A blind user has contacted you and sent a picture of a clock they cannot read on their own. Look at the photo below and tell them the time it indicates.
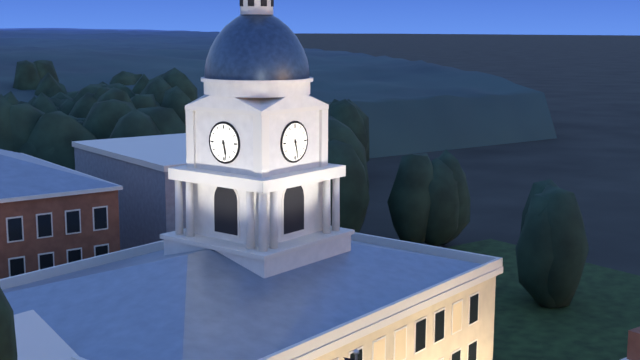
5:28
